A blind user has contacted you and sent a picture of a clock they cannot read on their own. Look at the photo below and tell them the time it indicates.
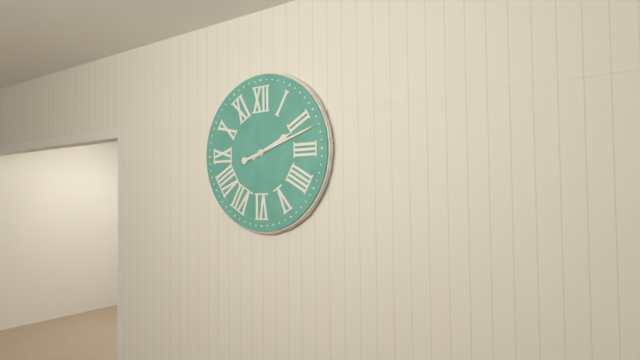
2:12
